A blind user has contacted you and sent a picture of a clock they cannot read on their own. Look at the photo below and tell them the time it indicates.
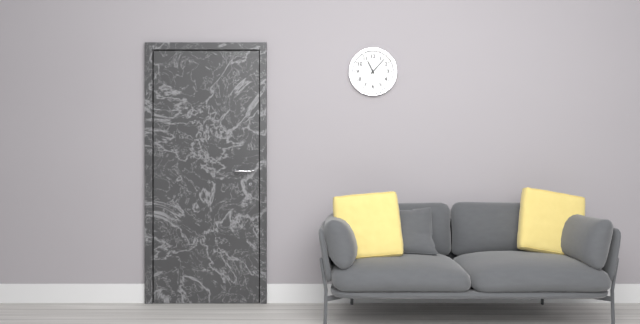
11:07
